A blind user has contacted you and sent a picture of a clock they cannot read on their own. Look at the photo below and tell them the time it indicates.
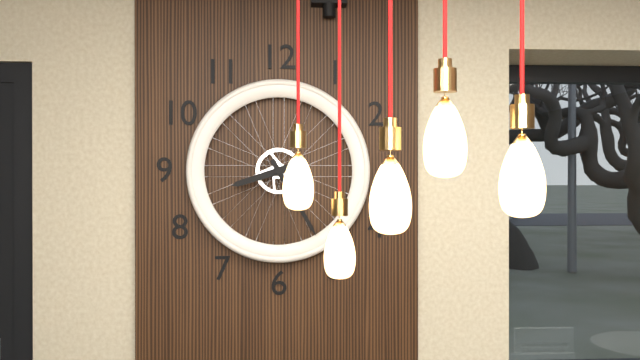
8:25
